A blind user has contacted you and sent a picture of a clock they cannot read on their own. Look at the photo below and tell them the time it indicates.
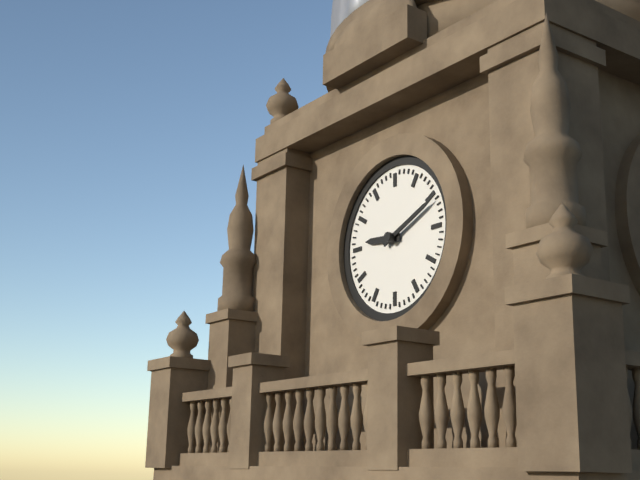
9:11
